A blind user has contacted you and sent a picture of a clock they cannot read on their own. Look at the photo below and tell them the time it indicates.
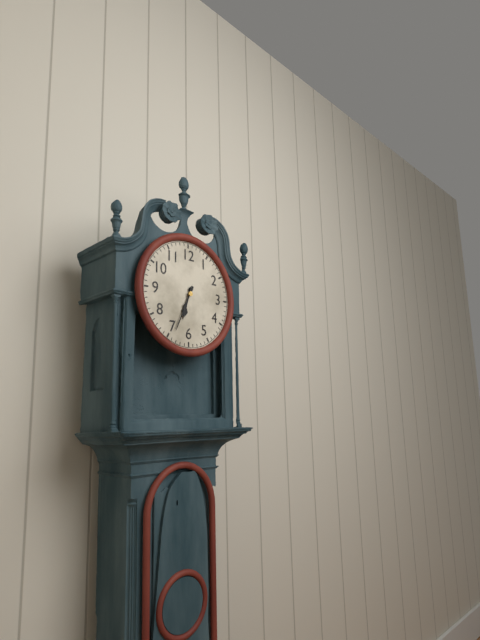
6:34
